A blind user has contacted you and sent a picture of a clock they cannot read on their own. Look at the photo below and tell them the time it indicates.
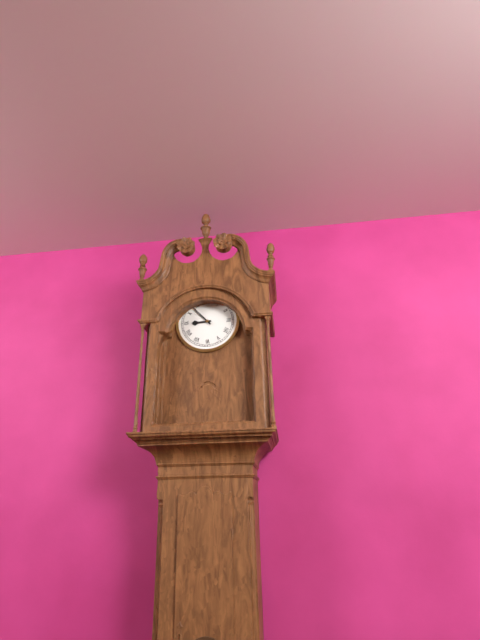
8:53
